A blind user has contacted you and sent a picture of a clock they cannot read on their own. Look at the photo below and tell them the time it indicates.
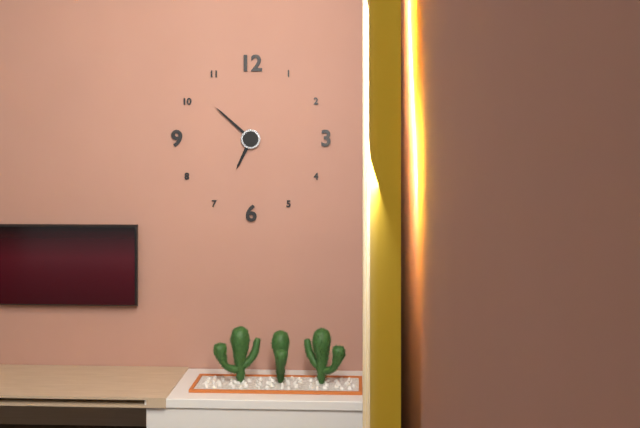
6:52
